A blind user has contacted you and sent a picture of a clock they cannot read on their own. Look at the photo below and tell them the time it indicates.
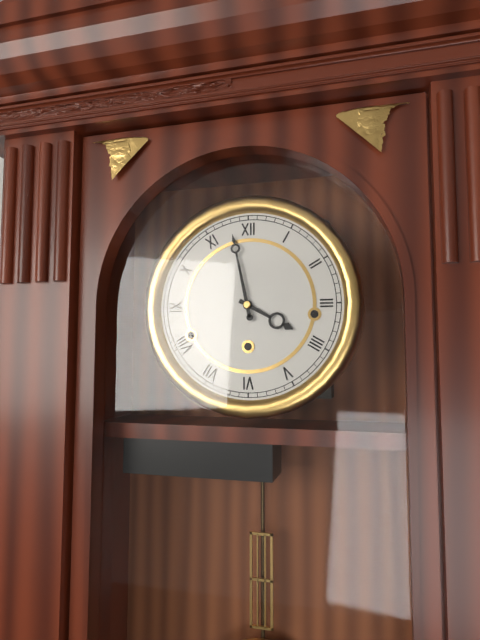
3:58
